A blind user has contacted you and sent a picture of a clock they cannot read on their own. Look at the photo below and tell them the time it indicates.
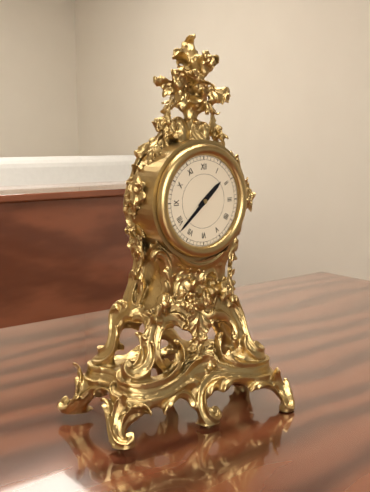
1:38
